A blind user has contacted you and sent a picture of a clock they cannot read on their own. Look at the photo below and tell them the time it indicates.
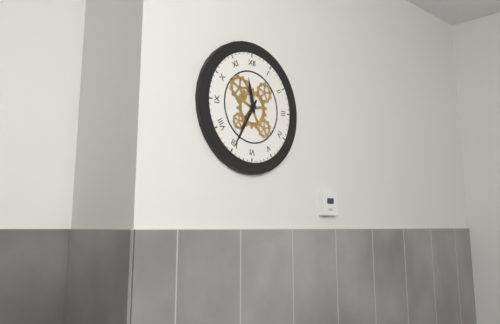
11:35
